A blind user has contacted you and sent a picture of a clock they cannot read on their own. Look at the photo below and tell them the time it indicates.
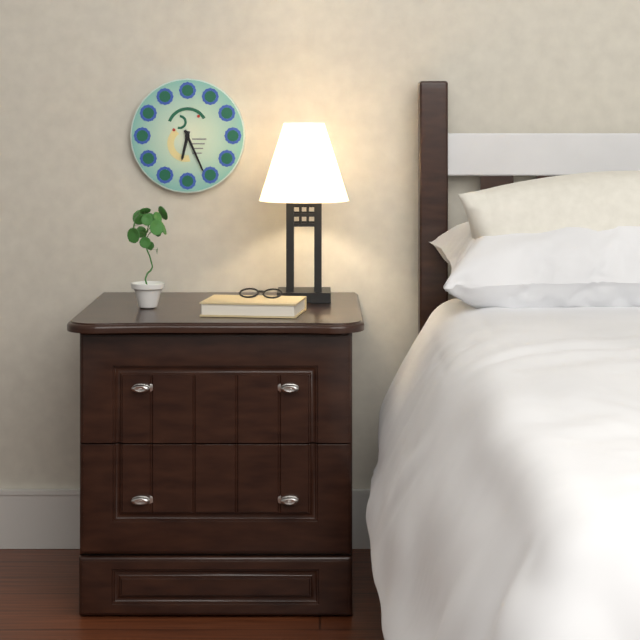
6:26
